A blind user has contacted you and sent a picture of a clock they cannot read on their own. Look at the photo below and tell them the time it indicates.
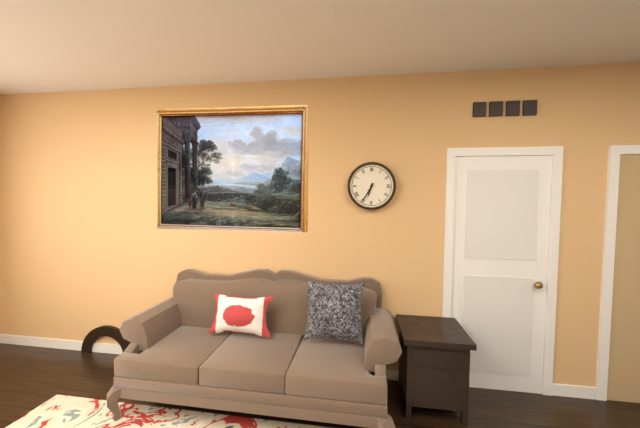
6:35
